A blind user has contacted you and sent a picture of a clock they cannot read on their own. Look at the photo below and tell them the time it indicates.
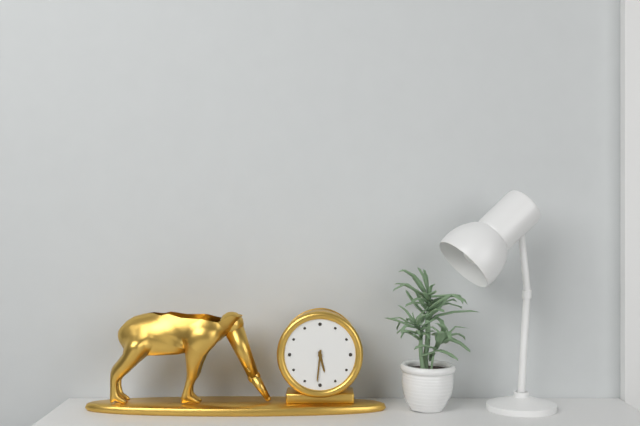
5:31
